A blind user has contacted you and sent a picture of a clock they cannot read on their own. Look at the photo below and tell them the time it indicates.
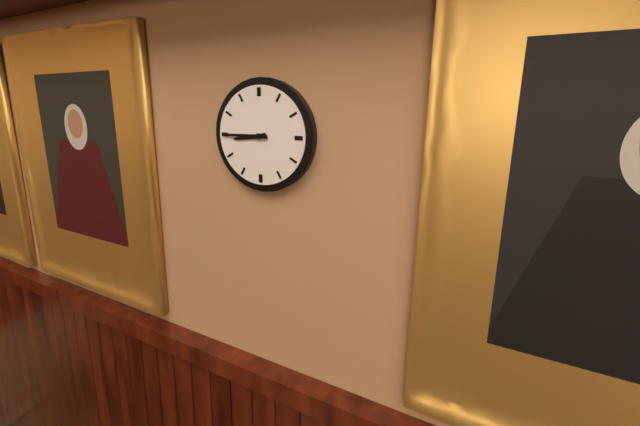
8:45
